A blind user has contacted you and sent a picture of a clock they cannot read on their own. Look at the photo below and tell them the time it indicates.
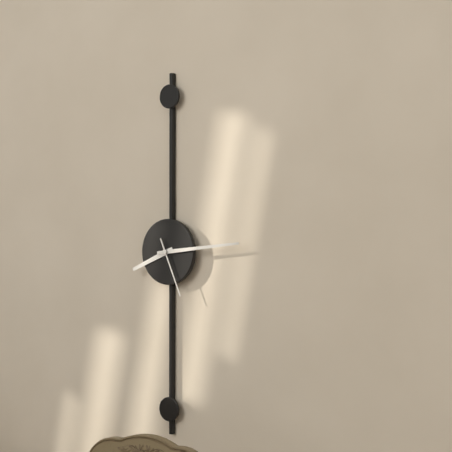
8:14:26
